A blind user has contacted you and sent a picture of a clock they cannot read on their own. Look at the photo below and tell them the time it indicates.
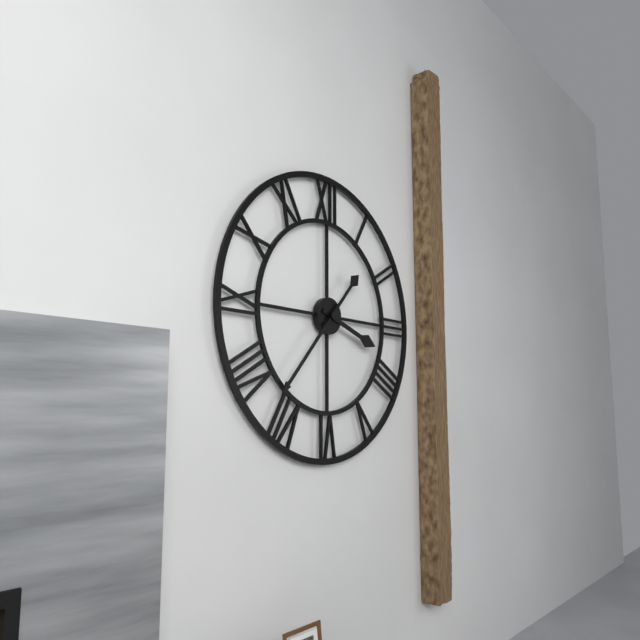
3:37
